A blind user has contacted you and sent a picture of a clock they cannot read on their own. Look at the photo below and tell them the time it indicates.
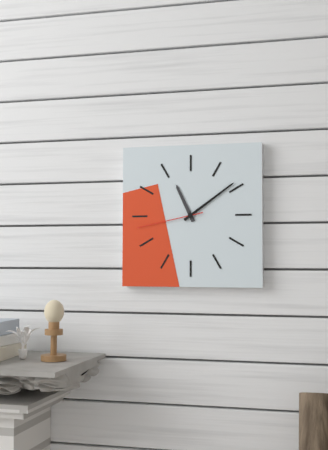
11:09:43
